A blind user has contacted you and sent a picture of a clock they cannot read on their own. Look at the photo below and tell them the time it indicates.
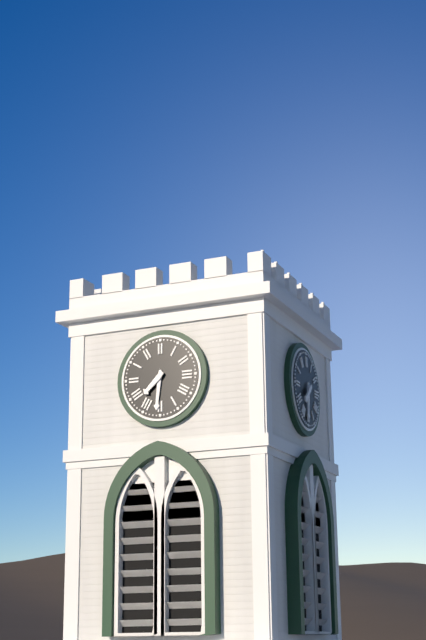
7:31
